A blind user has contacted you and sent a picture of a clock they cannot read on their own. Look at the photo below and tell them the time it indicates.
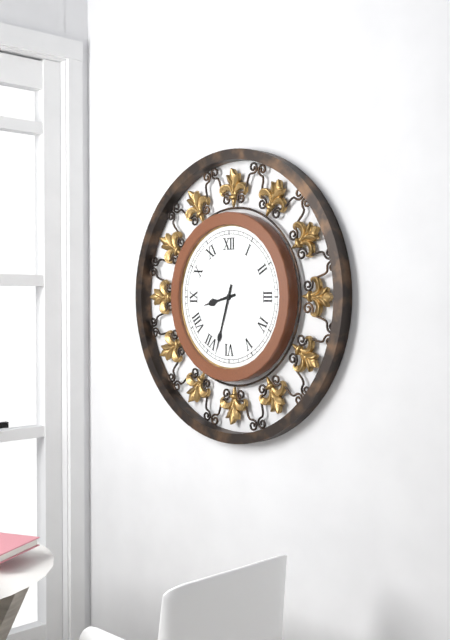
8:33
